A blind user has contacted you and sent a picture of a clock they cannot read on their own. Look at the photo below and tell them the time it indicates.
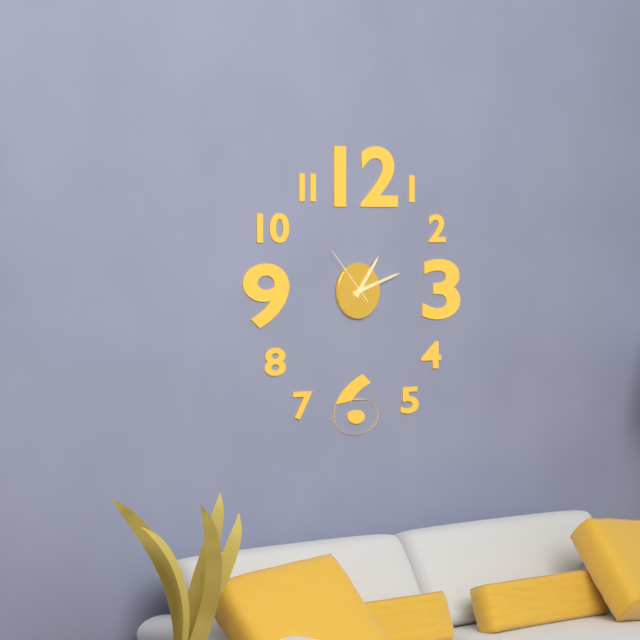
1:12:53
